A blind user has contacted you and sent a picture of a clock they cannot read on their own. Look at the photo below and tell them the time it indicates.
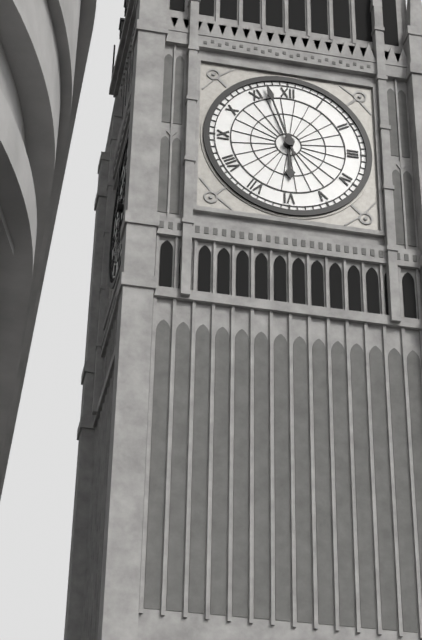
5:57
